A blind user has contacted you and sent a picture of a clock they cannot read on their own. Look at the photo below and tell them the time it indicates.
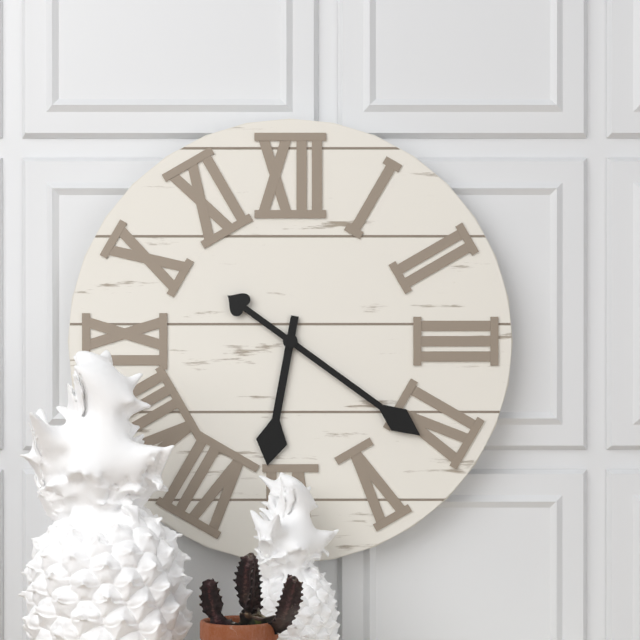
6:21
